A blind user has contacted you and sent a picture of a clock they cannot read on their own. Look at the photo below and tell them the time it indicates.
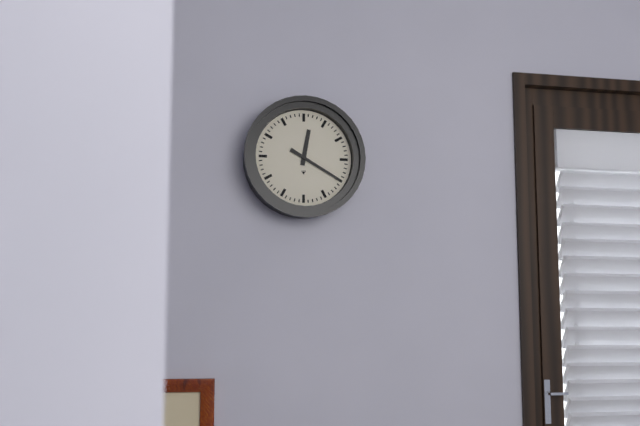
12:20
